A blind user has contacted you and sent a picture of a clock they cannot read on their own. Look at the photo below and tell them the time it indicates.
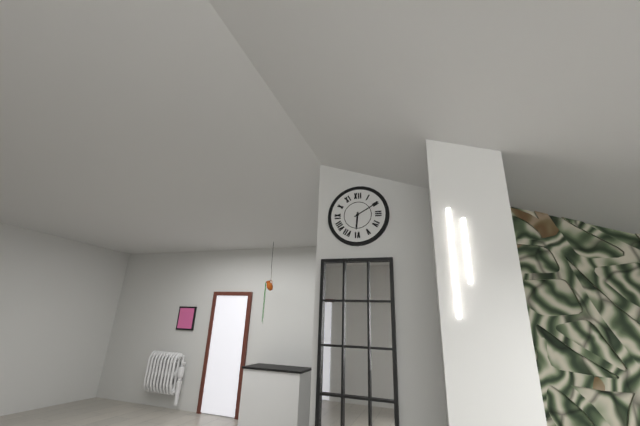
6:10
